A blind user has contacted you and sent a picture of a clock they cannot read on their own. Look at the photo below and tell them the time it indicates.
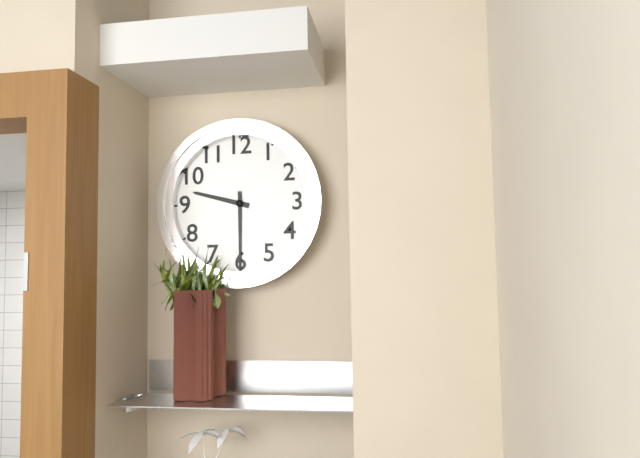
9:30
